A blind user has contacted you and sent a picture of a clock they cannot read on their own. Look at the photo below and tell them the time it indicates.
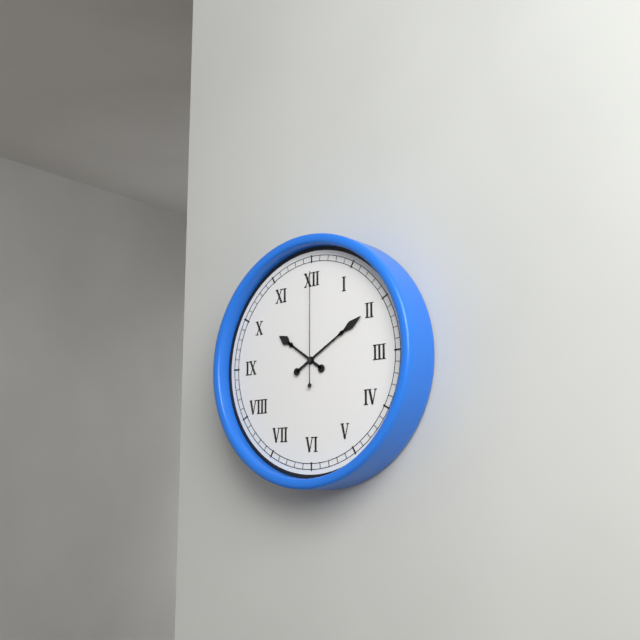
10:10:00
